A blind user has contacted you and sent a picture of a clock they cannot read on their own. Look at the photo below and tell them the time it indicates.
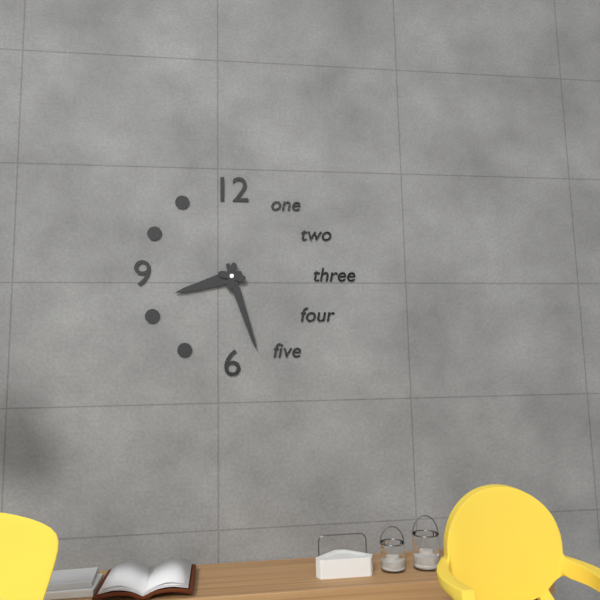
8:27
